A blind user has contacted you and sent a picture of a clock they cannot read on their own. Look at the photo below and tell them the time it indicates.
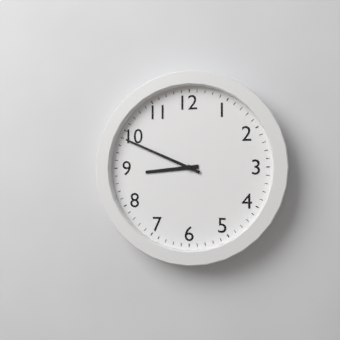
8:49
